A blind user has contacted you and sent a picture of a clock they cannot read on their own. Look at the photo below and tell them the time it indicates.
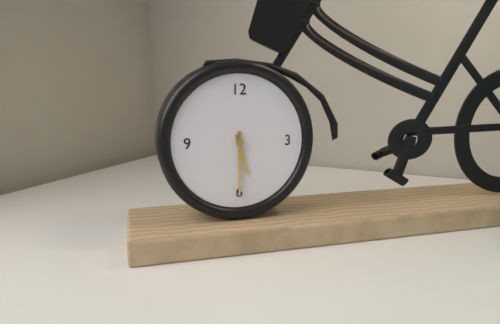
5:30
